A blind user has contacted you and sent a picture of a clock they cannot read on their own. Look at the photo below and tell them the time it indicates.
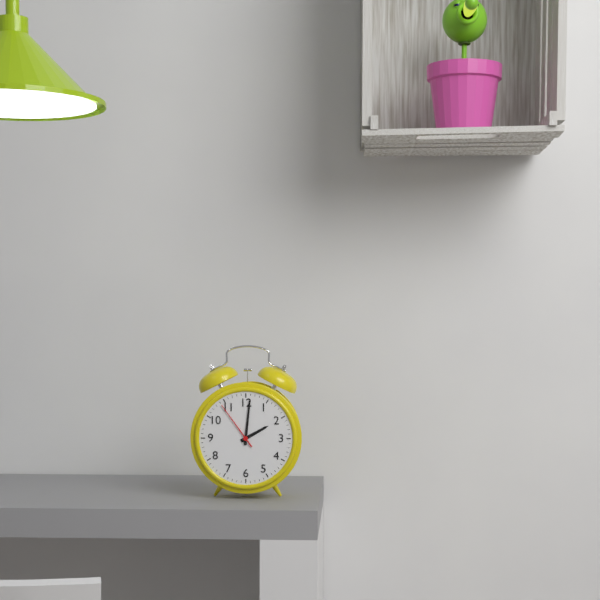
2:01:54
